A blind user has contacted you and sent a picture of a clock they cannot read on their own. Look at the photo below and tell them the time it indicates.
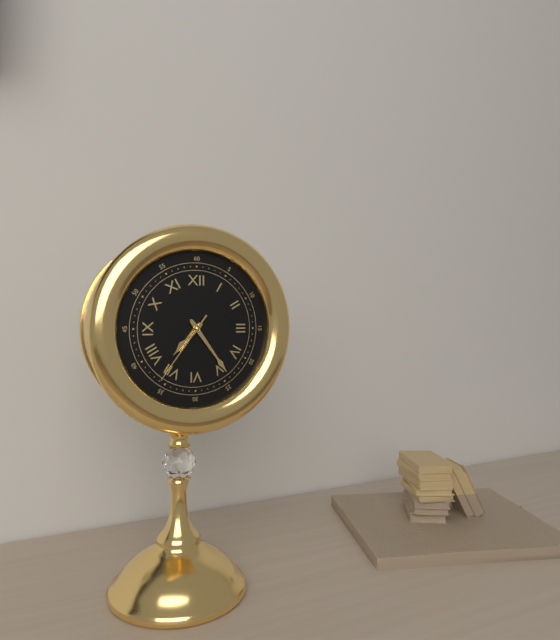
7:24:36
